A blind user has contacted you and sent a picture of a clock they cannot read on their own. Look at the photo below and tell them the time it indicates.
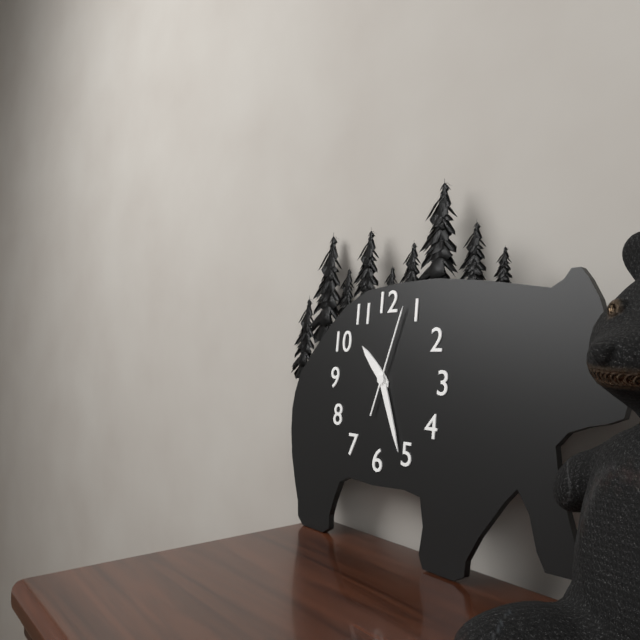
10:26:03
